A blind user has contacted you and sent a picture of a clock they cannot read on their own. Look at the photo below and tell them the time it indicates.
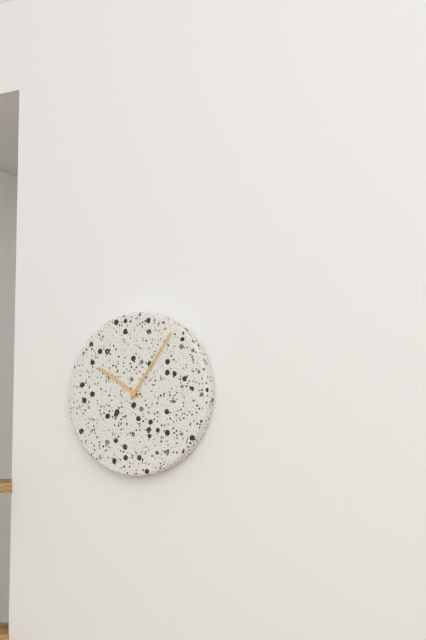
10:06
